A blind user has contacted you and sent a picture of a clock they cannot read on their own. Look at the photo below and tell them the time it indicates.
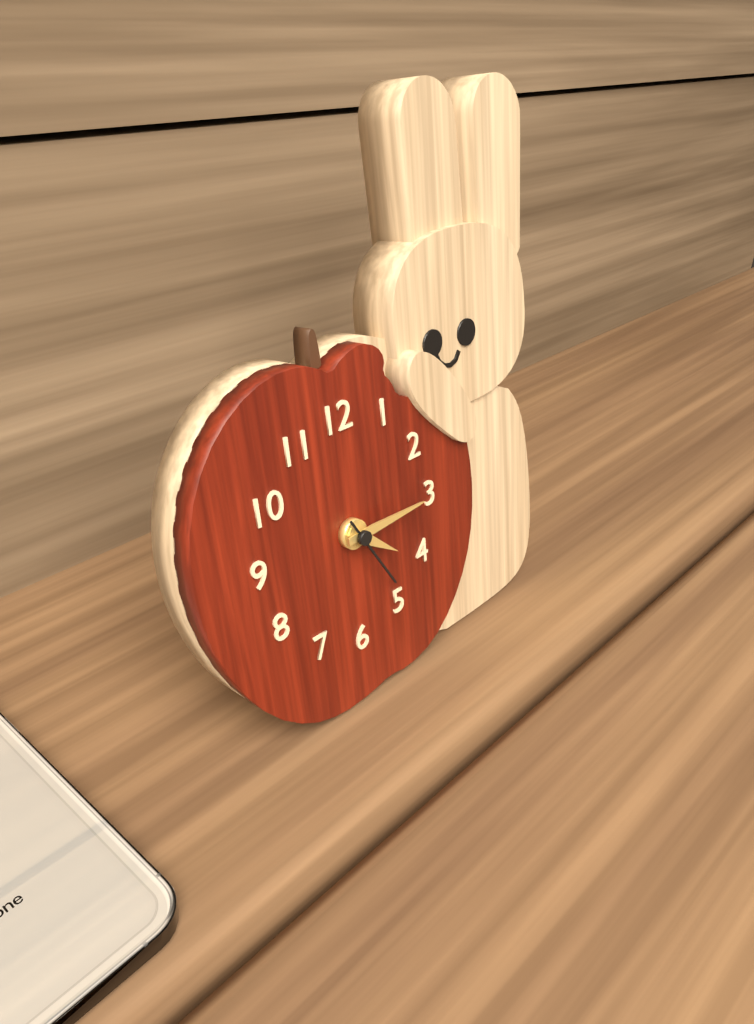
4:15:25
